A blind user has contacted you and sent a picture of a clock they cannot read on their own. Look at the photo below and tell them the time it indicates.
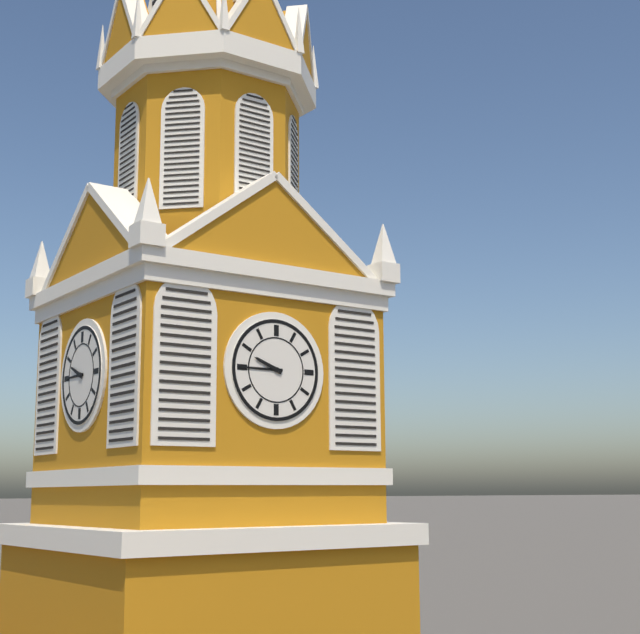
9:45
